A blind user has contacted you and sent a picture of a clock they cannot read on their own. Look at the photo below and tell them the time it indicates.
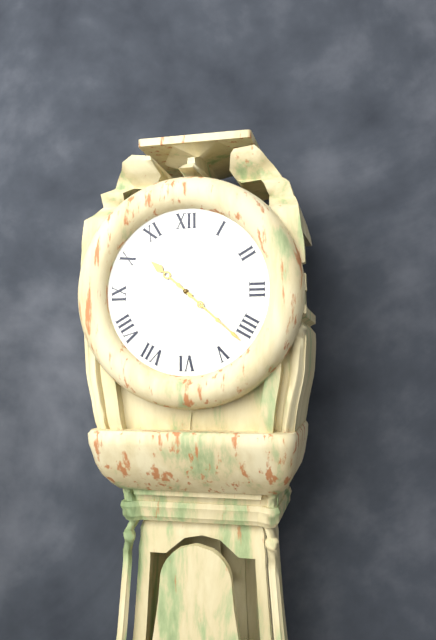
10:22
